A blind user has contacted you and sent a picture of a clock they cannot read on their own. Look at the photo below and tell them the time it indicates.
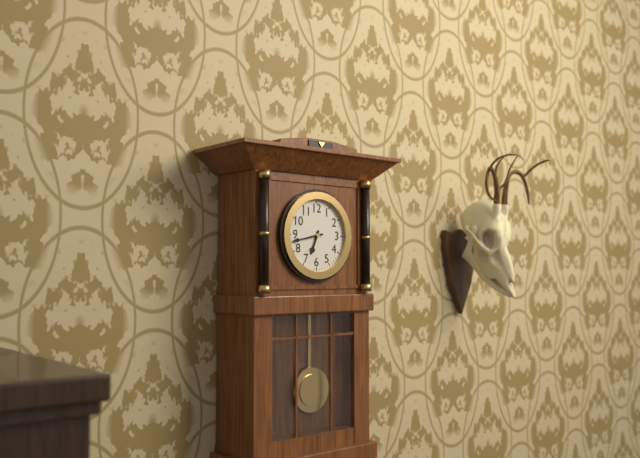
6:43
